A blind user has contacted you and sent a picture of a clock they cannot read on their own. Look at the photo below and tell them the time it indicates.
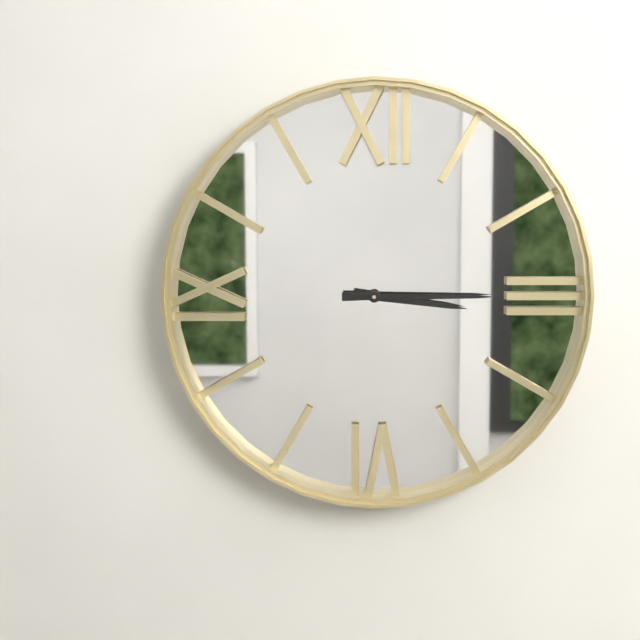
3:15
